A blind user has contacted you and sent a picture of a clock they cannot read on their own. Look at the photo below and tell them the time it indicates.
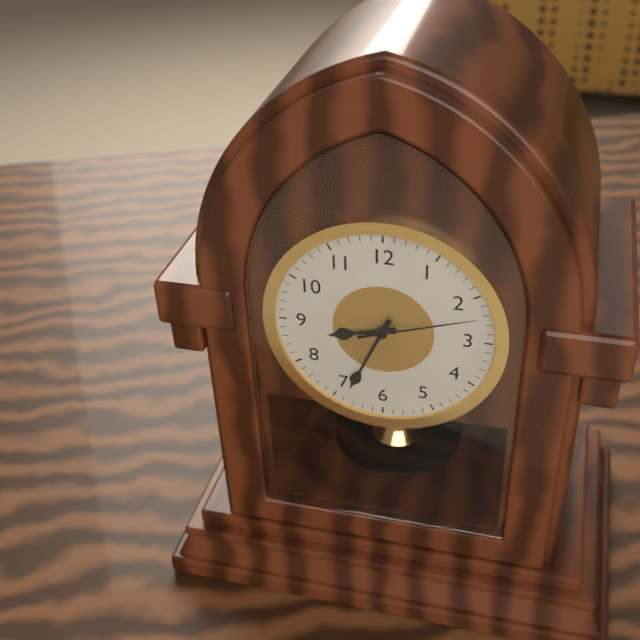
8:34:12
